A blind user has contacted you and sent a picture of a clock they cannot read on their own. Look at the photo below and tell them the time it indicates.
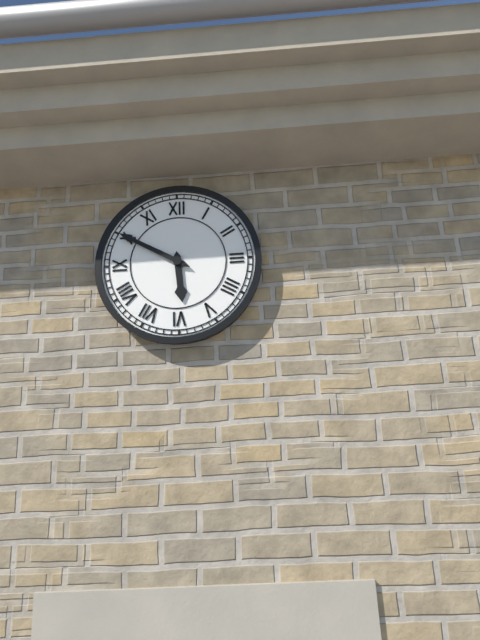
5:50
